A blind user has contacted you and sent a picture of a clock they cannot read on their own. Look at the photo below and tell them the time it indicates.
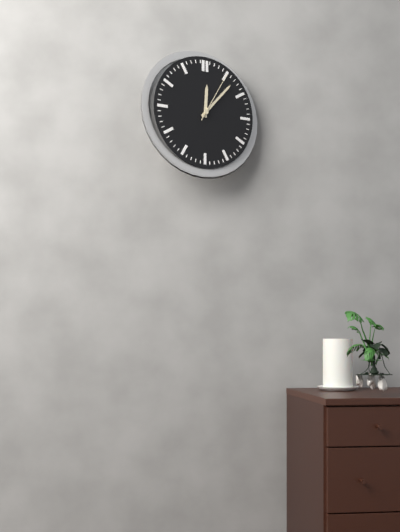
12:07:05
